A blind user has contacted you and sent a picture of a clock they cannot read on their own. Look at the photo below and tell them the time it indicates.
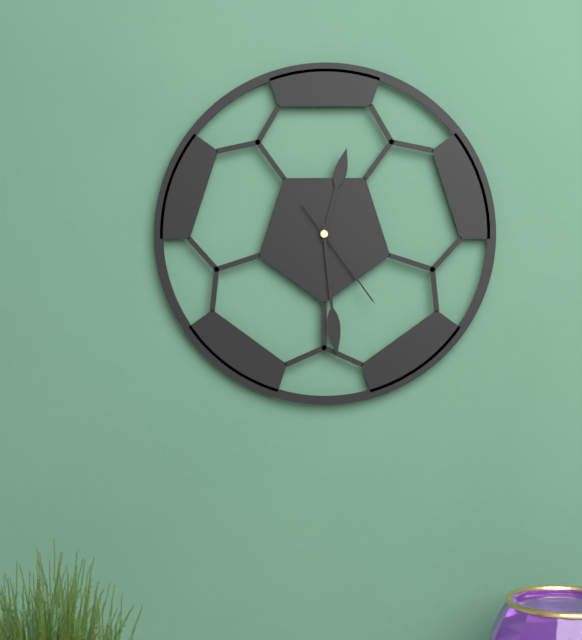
12:29:24
